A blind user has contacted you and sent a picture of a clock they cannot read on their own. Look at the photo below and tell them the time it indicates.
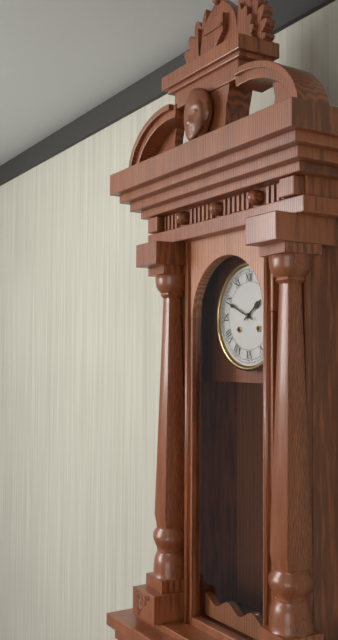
1:49
